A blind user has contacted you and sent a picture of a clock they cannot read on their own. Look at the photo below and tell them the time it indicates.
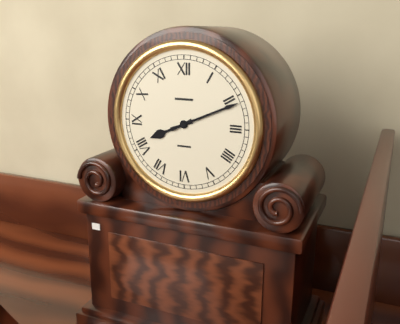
8:11
